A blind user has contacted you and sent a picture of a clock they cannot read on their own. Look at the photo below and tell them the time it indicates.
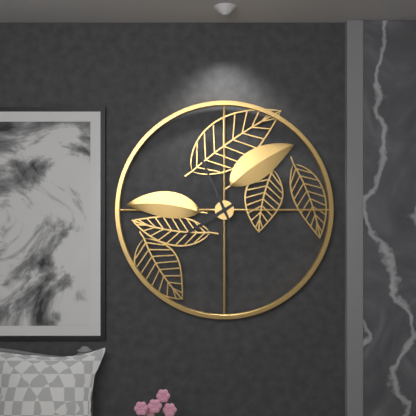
7:56
